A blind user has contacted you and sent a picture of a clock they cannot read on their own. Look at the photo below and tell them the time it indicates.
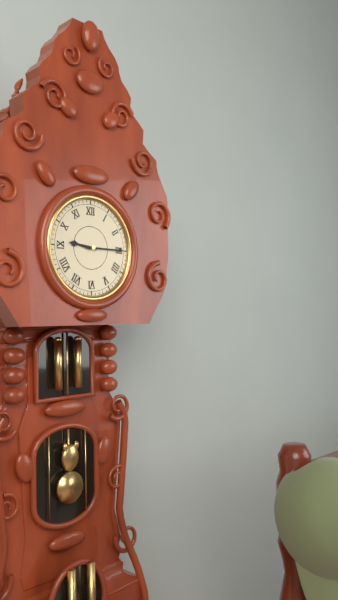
9:15
